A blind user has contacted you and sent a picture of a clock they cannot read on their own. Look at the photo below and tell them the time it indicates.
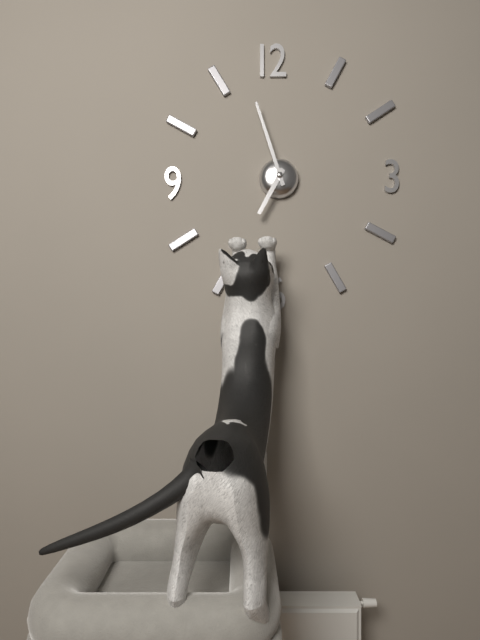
6:57
